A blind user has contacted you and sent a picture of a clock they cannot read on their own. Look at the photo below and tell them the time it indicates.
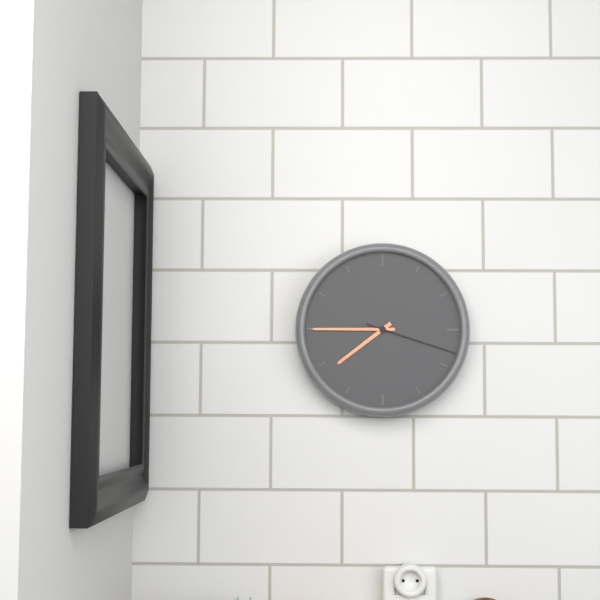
7:45:18
